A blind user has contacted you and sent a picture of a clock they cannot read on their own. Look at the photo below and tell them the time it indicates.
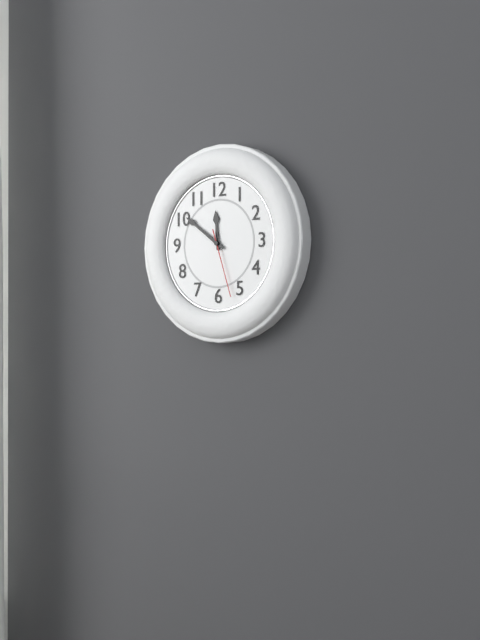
11:51:27
